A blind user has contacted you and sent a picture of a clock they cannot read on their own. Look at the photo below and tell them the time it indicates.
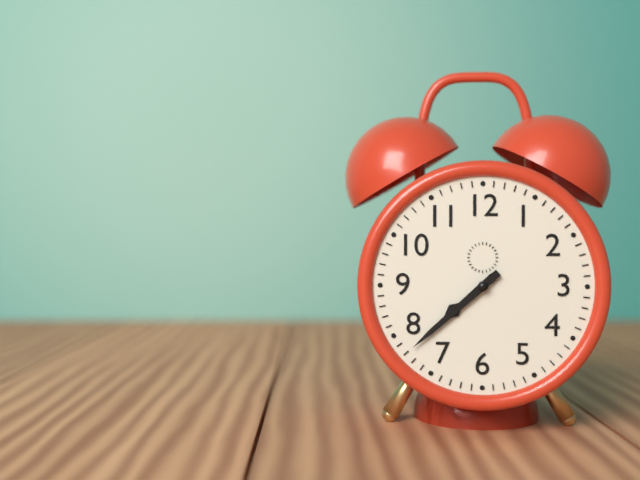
7:38
